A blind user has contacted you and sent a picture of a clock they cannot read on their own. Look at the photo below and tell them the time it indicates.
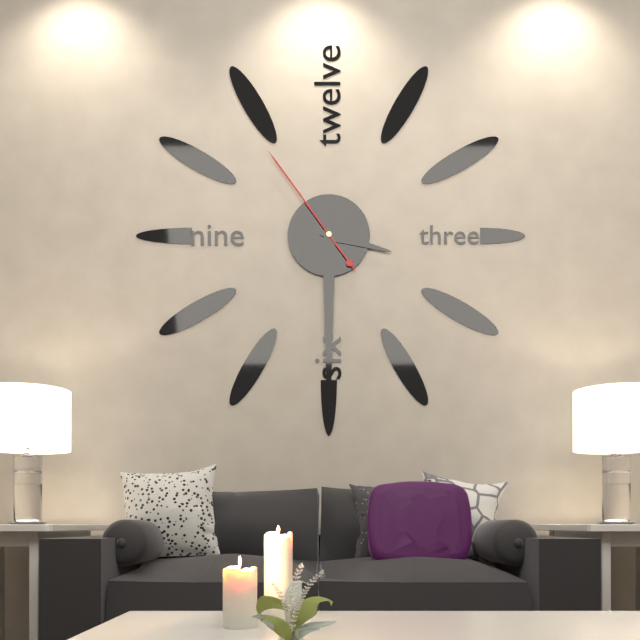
3:30:54
